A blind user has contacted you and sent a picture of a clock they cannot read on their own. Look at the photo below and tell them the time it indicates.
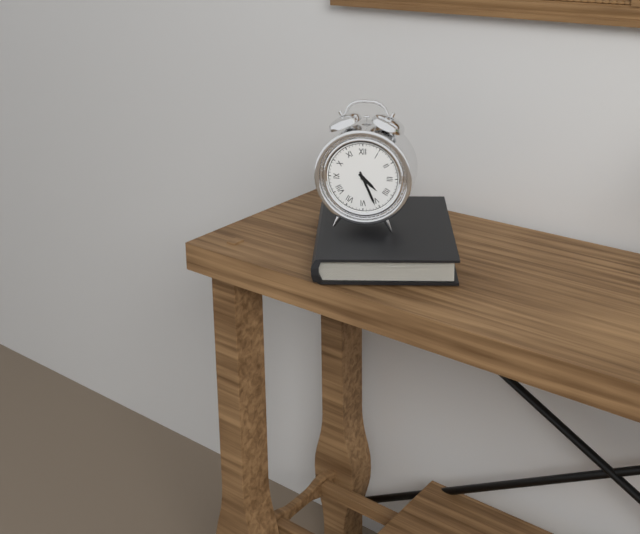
4:26
